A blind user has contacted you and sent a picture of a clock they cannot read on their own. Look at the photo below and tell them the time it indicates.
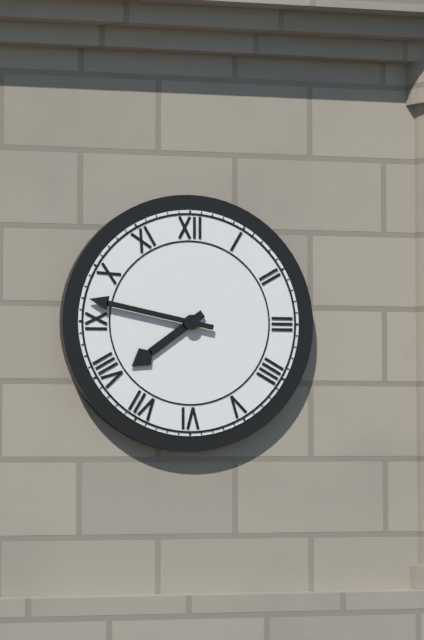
7:47
